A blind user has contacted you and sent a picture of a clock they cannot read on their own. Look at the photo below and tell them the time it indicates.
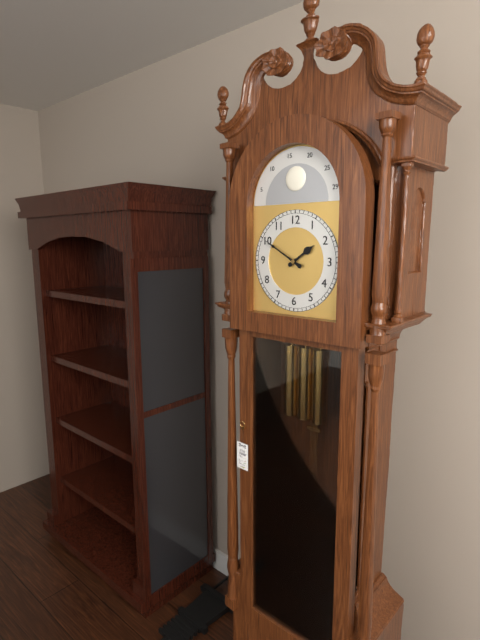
1:50
